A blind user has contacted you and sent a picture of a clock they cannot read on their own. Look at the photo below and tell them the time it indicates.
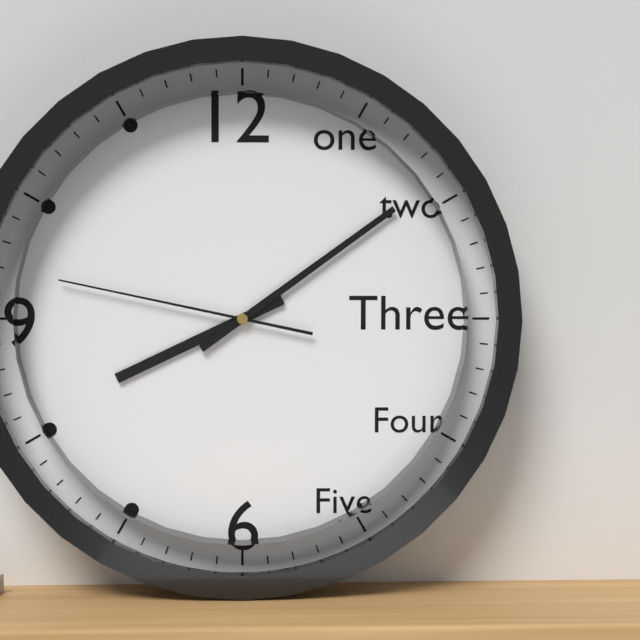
8:09:47
